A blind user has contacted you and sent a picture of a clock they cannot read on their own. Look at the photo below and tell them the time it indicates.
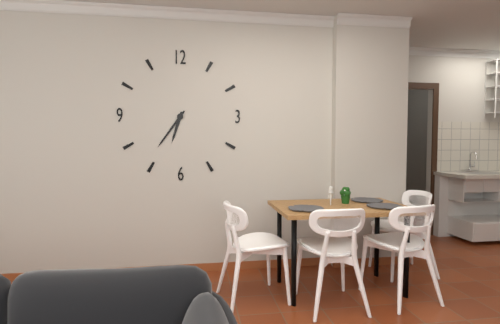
6:36
